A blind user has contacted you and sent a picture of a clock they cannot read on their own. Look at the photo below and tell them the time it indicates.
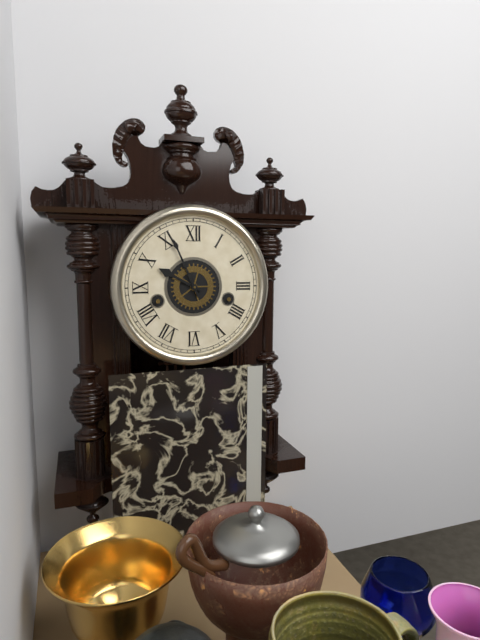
9:56
